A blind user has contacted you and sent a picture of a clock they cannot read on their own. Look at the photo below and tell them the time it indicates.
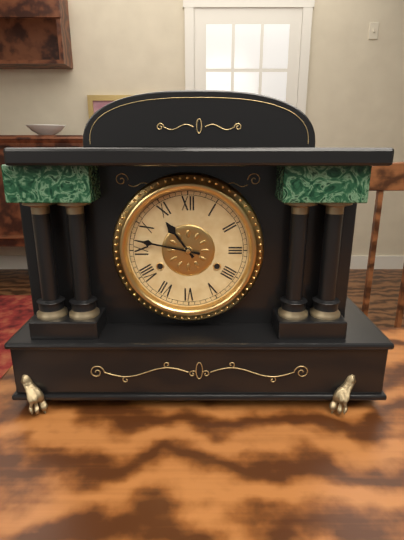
10:47
